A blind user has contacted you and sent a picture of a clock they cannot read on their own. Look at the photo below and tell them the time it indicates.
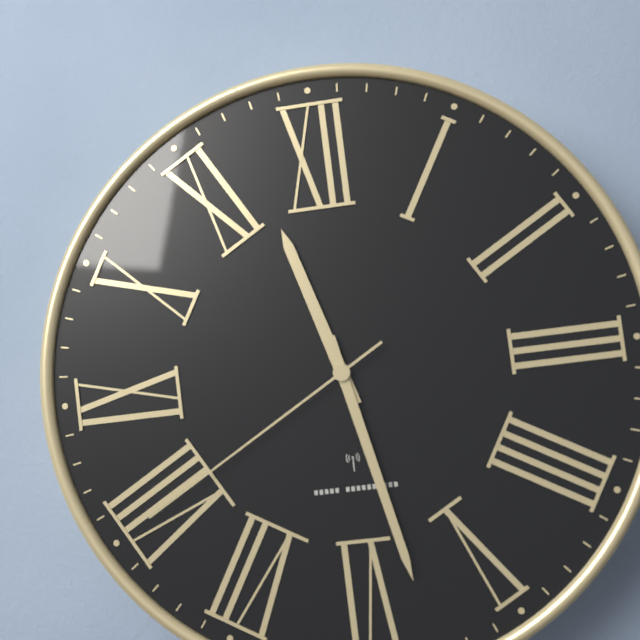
11:28:40
